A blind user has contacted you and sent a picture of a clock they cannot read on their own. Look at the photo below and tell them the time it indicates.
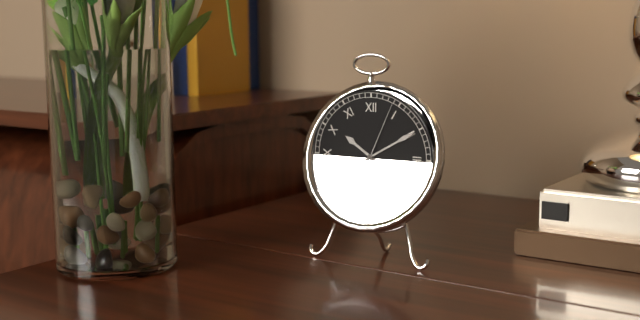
10:10:04
